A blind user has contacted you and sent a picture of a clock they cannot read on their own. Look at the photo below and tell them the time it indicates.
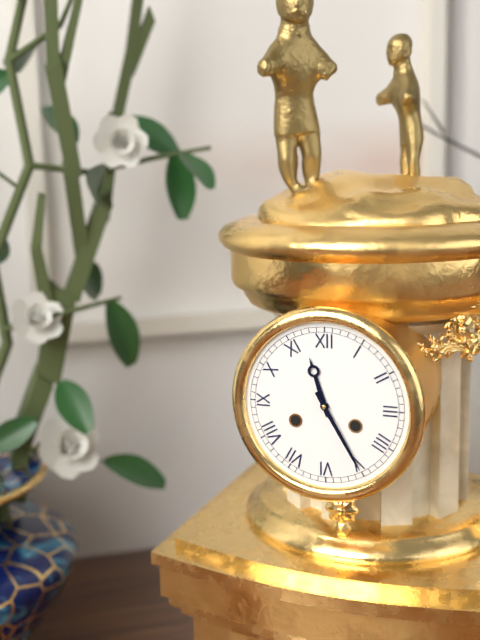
11:25
